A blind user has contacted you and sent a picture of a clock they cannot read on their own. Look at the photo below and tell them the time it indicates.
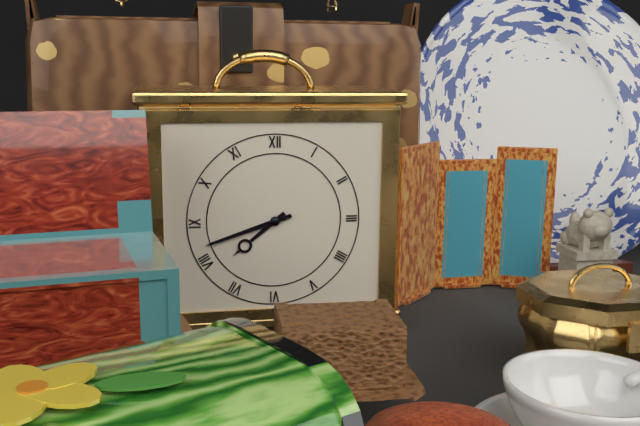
7:42
